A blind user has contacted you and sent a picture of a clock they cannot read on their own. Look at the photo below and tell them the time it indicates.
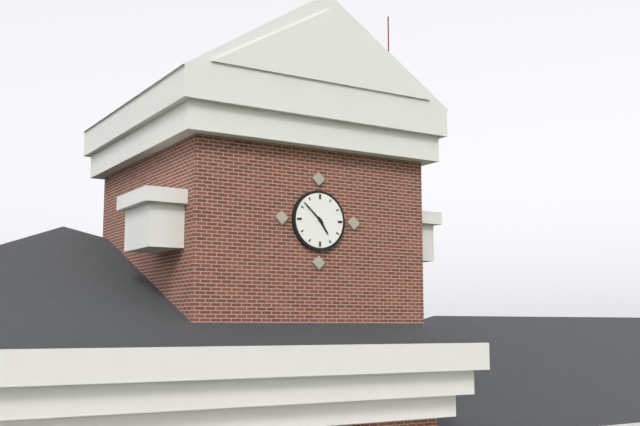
4:52
